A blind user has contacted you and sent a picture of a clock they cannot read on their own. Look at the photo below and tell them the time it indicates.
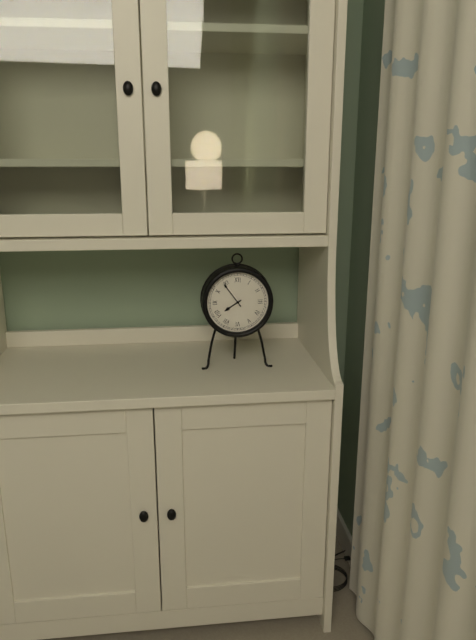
7:54
